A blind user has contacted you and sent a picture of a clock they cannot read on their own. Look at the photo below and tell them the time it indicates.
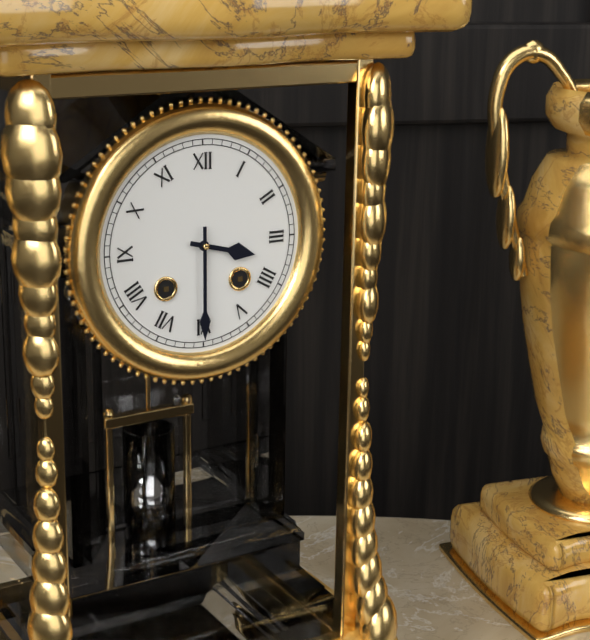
3:30
